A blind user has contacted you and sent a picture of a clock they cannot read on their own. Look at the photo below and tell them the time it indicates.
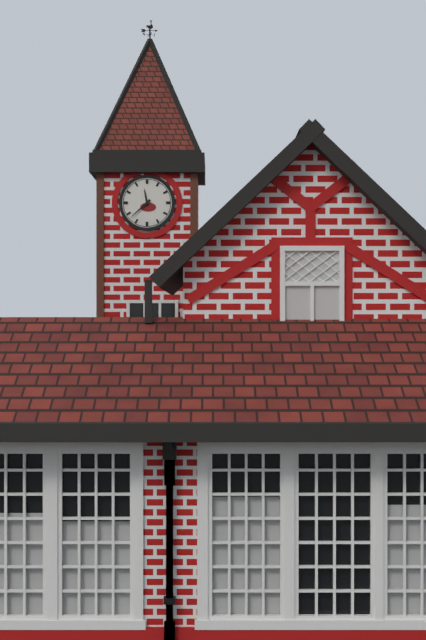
11:38
